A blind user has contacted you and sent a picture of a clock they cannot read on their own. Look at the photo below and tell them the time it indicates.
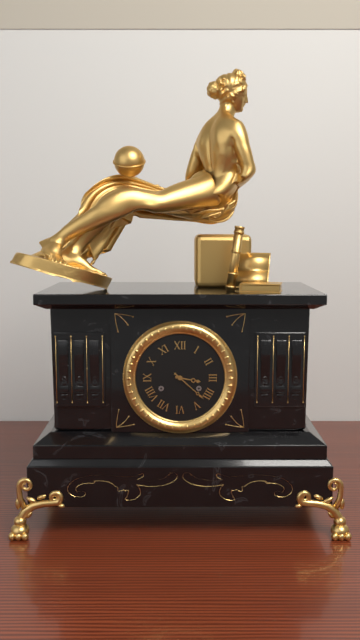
3:22
